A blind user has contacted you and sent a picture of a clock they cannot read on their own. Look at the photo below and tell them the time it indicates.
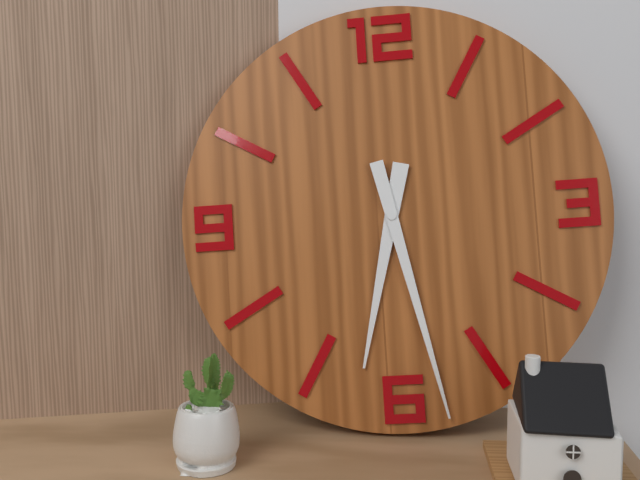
6:28
